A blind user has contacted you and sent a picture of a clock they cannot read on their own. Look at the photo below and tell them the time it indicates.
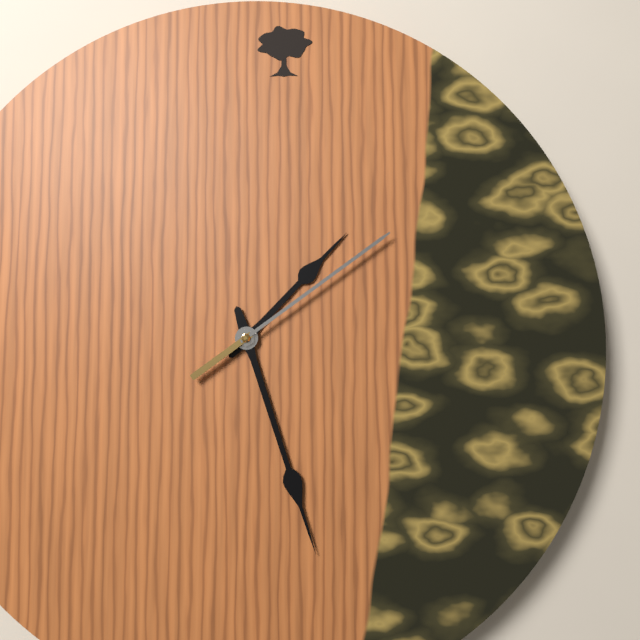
1:27:09
